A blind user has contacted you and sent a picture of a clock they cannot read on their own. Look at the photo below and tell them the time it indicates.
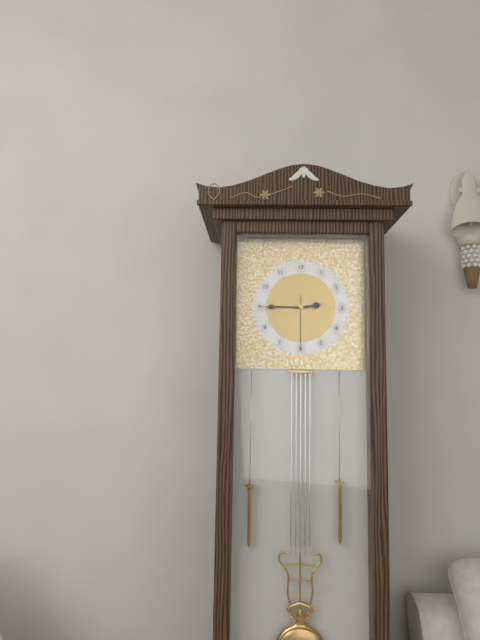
2:45:30
